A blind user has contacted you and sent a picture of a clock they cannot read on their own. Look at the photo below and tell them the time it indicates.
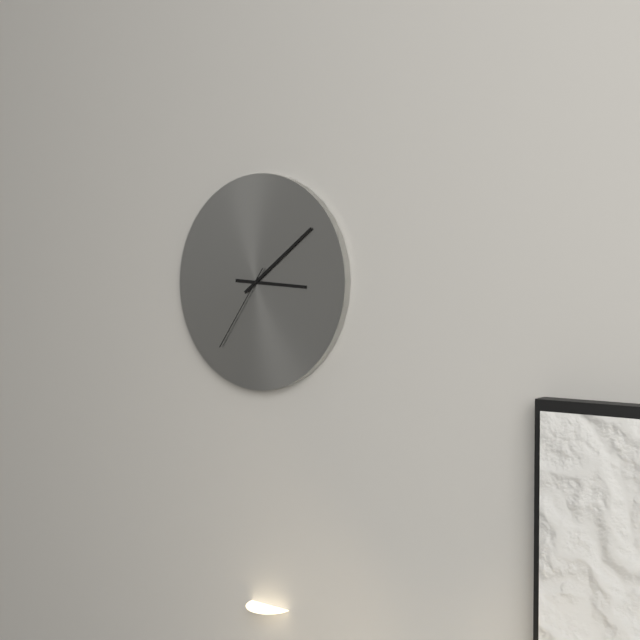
3:09:36
